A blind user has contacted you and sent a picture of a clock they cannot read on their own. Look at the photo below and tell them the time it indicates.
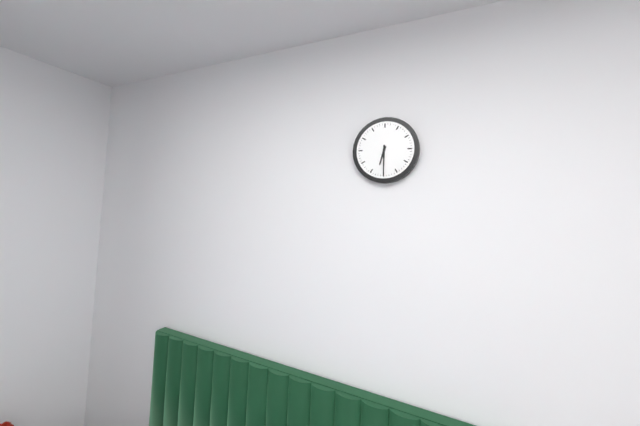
6:30
